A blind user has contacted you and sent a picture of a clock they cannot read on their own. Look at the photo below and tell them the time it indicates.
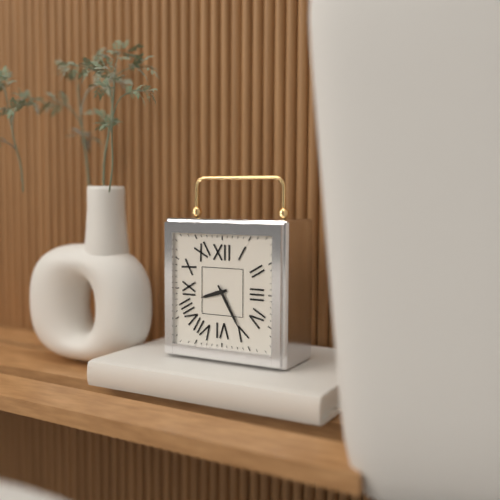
8:25
